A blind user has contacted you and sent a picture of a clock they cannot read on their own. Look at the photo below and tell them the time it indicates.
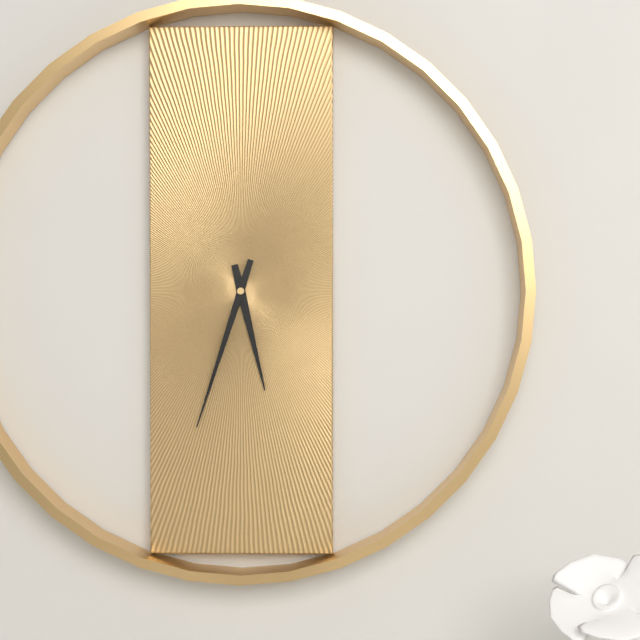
5:33
